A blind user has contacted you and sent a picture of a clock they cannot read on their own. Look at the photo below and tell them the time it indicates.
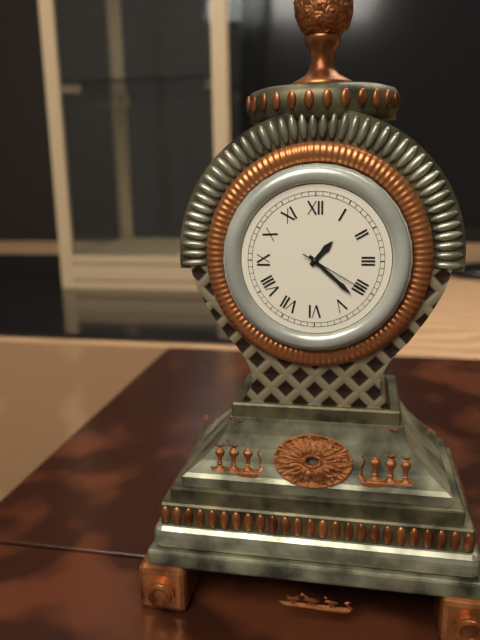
1:22:20
